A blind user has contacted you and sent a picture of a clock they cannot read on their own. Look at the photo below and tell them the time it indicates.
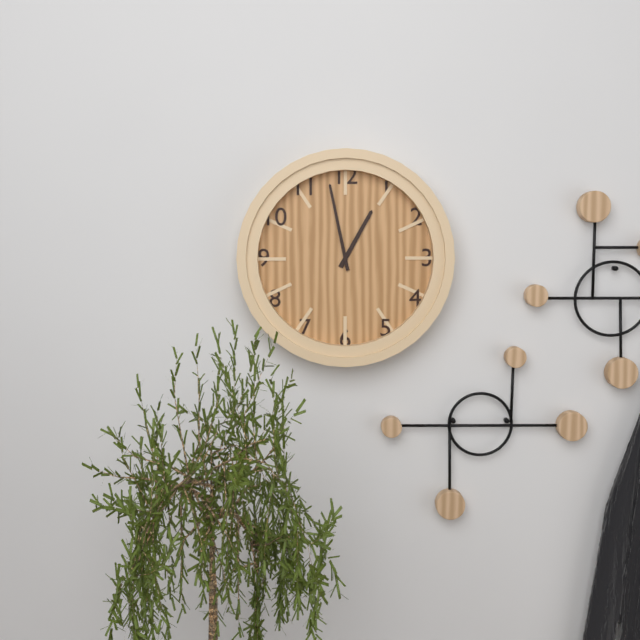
12:58
